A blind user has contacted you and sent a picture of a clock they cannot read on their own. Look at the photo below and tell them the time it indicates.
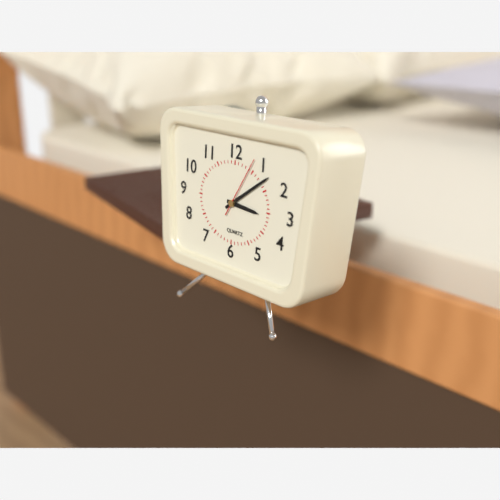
3:09:05
